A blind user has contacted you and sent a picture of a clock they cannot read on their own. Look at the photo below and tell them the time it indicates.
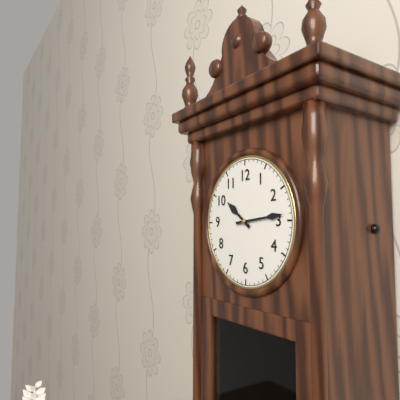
10:14
